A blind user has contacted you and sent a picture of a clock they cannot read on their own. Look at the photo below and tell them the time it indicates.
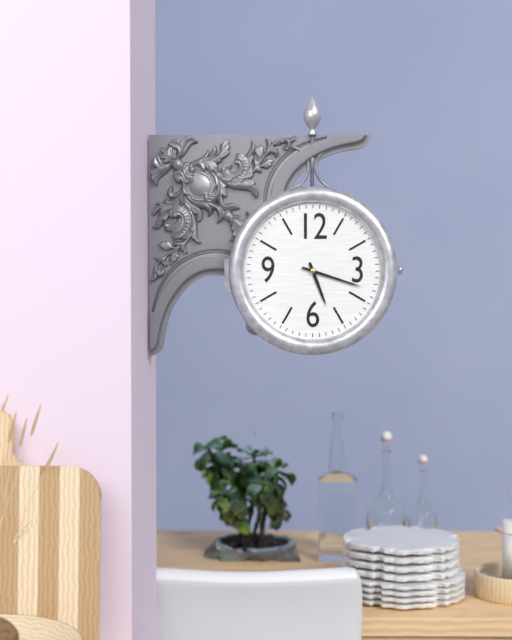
5:18
